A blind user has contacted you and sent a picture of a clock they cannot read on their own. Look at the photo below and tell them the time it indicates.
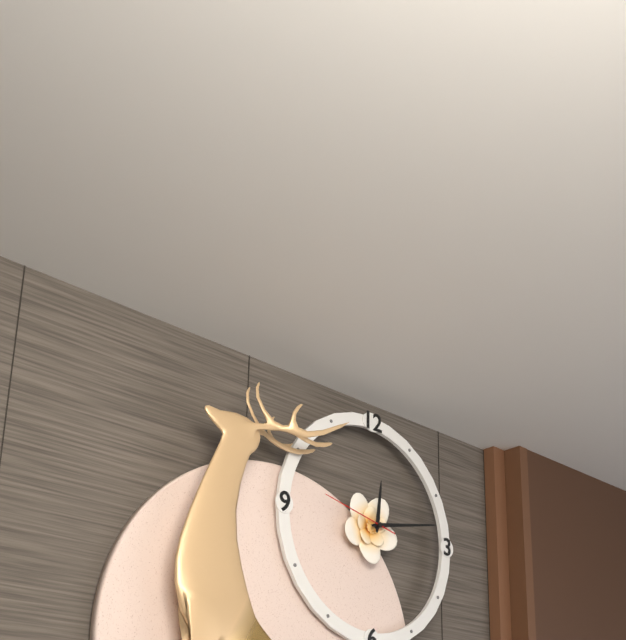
12:13:47
